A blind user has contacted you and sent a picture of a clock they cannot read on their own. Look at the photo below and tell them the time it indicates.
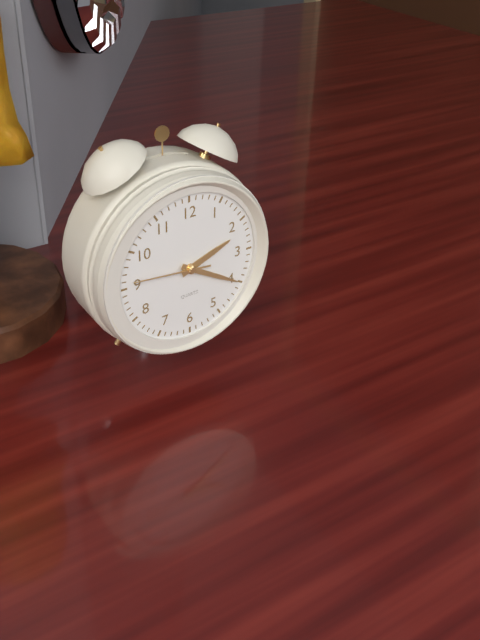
2:20:46
